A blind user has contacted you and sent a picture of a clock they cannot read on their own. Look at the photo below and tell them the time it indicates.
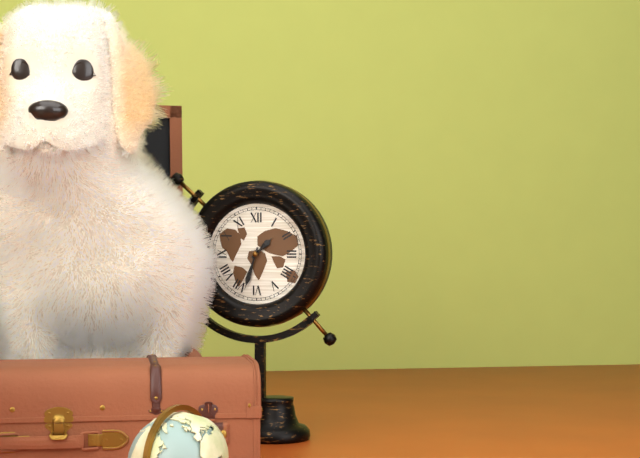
1:33
